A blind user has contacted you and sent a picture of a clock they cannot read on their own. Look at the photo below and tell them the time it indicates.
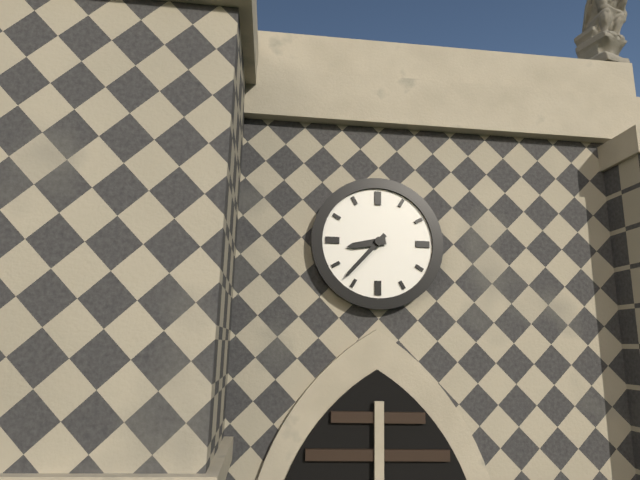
8:37
